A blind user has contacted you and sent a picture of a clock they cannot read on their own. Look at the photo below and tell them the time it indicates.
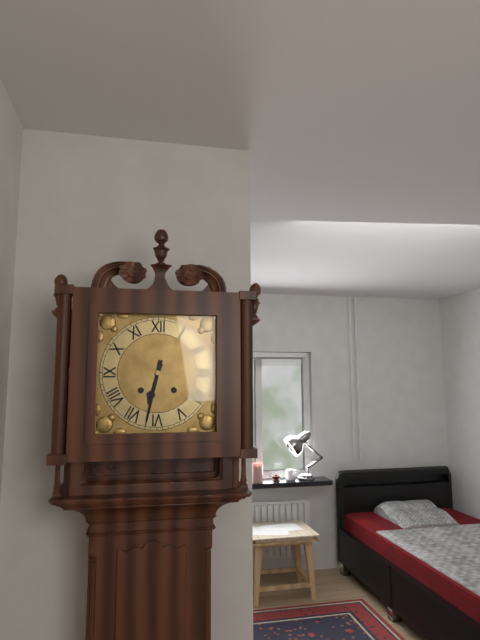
6:32
